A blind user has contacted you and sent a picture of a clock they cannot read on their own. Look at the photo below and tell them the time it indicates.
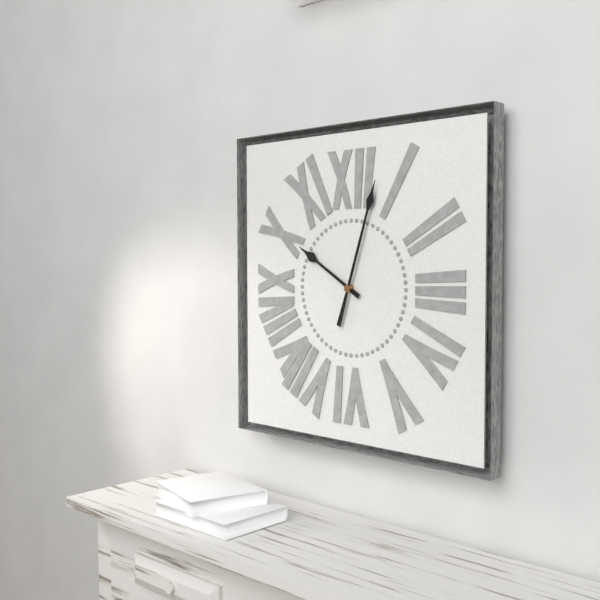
10:03
